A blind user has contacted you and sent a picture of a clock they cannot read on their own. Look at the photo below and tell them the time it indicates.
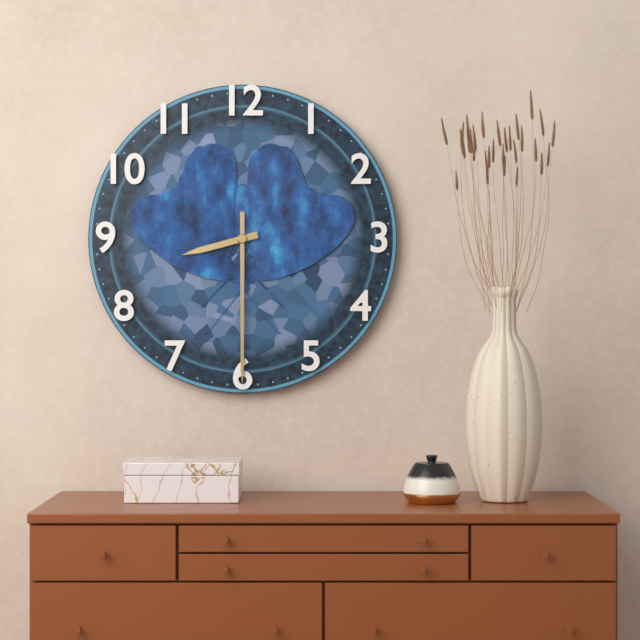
8:30
